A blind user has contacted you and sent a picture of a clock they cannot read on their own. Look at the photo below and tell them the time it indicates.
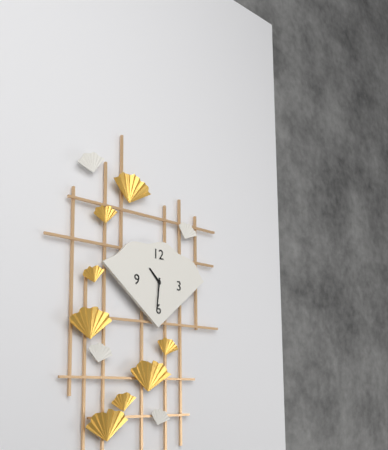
10:31
